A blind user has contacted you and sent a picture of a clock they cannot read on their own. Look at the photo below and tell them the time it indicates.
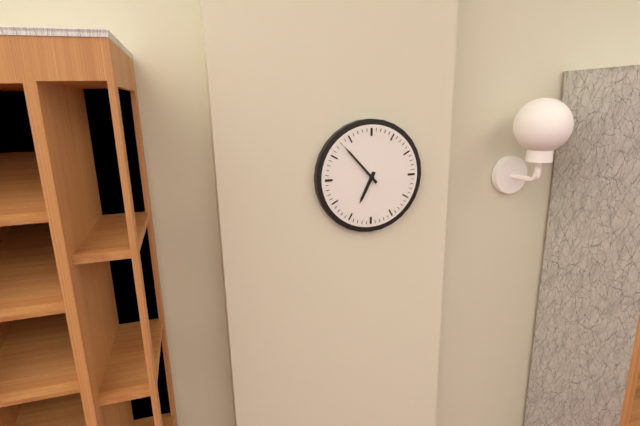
6:53
